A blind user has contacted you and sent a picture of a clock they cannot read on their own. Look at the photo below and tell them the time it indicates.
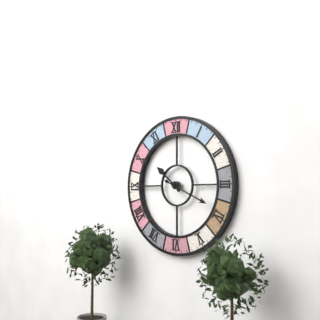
10:19
